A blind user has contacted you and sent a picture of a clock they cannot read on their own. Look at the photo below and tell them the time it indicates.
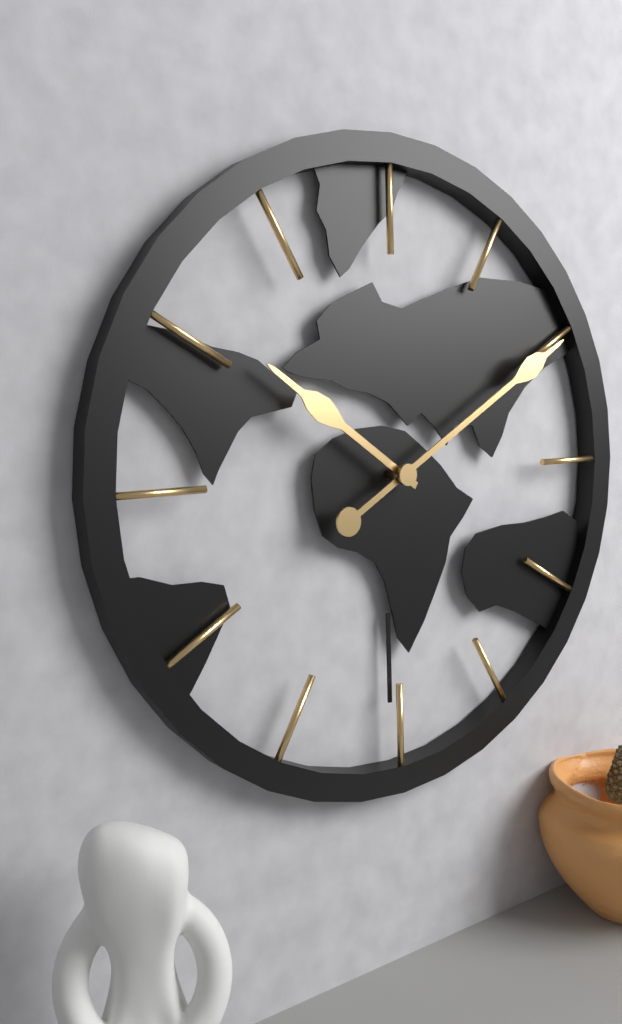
10:10
